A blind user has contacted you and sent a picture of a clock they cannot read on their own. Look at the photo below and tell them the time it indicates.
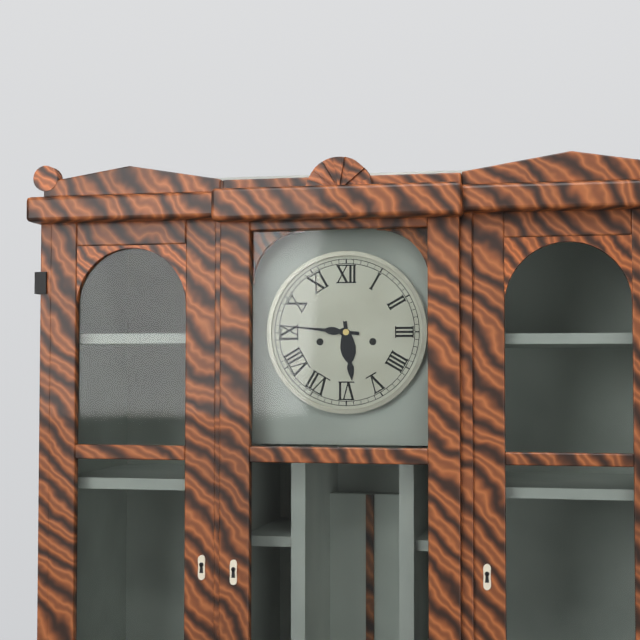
5:46
